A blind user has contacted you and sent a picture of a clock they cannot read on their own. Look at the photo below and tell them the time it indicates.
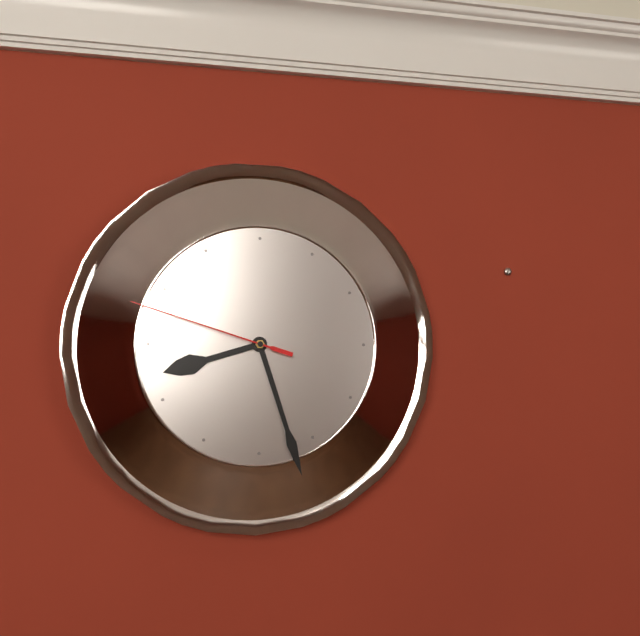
8:27:48
